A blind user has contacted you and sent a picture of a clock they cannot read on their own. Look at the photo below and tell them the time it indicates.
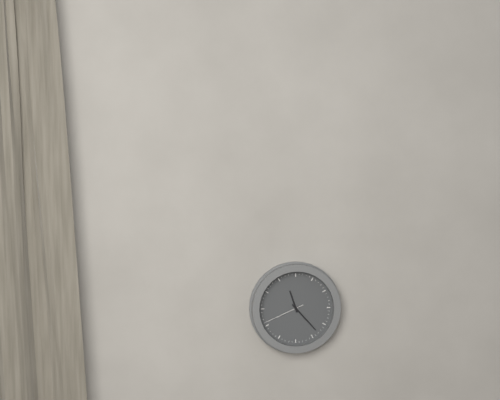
11:23
